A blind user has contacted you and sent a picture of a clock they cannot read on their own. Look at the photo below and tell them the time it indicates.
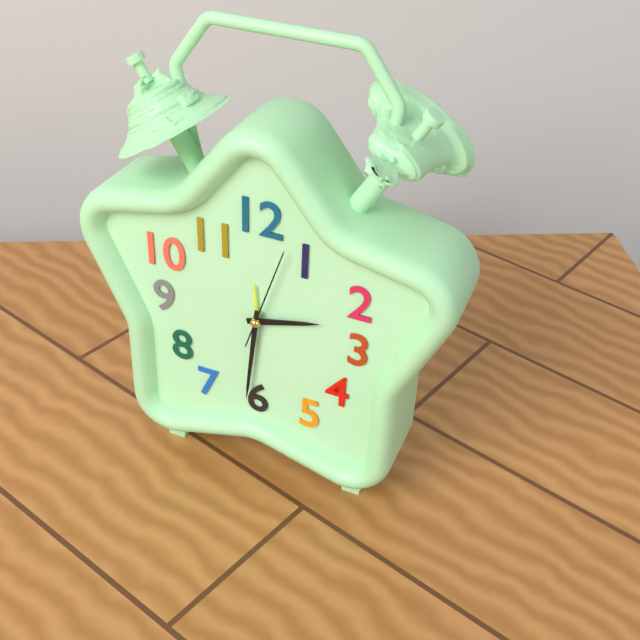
2:31:03
